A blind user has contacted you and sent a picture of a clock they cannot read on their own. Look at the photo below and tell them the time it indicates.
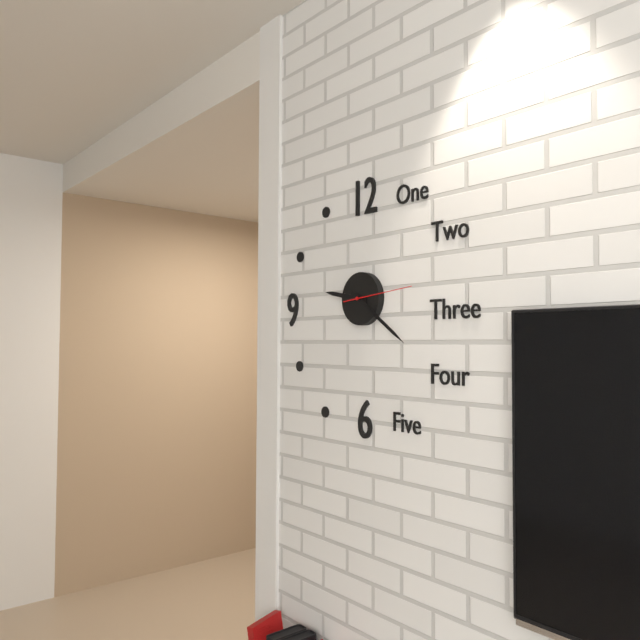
9:21:14
